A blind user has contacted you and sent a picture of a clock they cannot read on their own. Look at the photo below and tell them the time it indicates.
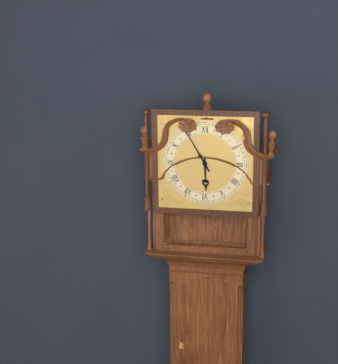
5:55
